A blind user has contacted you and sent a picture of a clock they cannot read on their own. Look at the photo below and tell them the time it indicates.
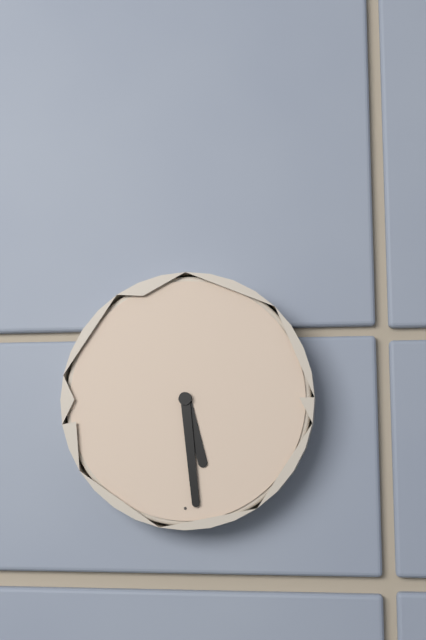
5:29
